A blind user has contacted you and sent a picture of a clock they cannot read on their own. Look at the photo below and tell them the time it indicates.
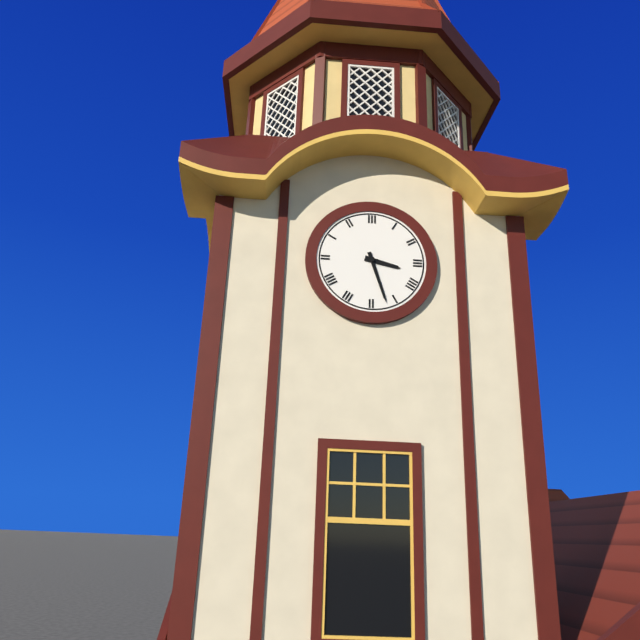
3:27
